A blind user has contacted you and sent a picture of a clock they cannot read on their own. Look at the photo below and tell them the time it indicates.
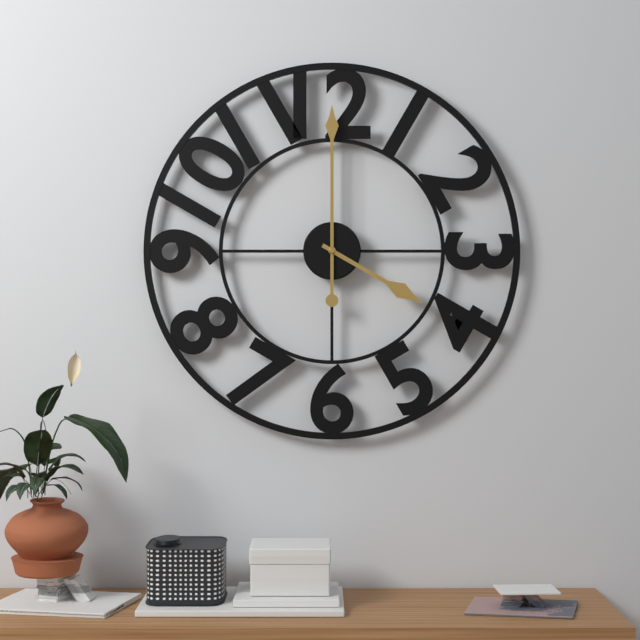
4:00
